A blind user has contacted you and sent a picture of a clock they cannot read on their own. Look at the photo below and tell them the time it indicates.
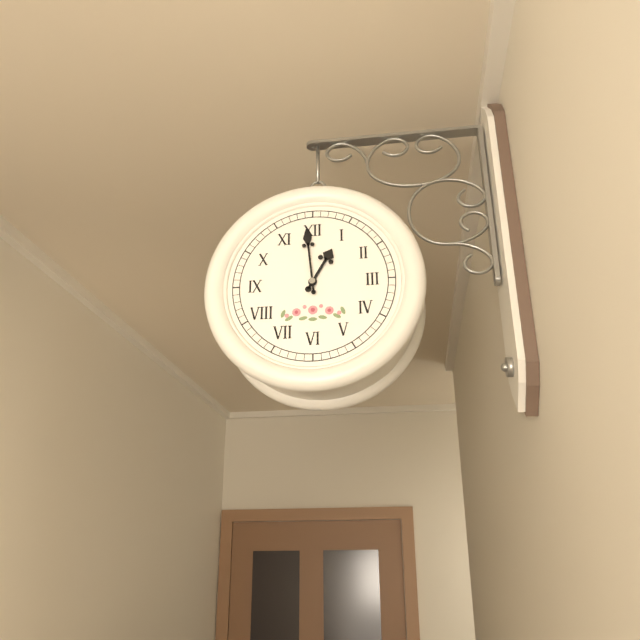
12:59
